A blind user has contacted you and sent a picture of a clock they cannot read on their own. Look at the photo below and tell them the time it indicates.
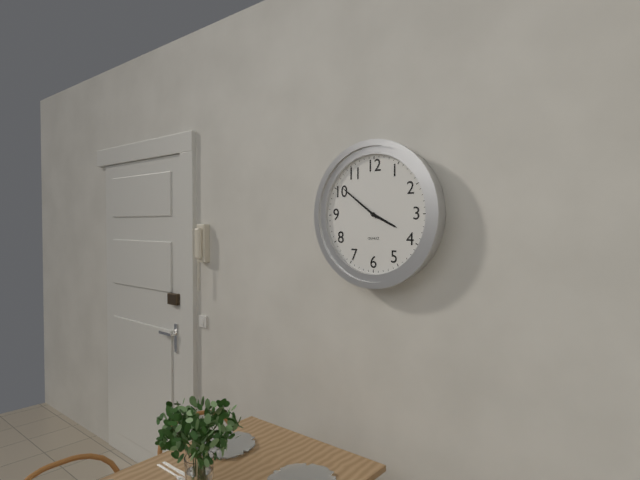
3:51
